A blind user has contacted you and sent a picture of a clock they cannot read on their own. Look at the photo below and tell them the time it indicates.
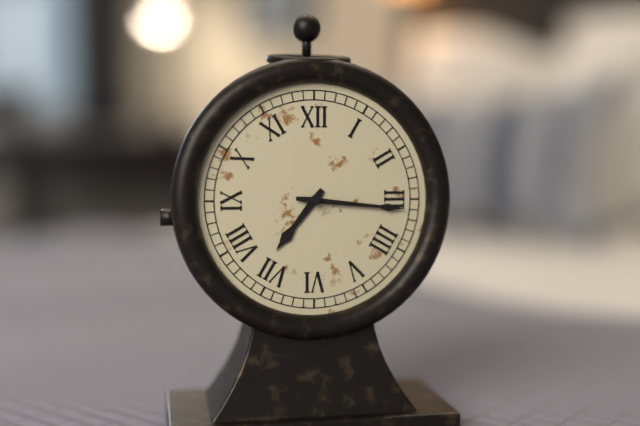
7:16
